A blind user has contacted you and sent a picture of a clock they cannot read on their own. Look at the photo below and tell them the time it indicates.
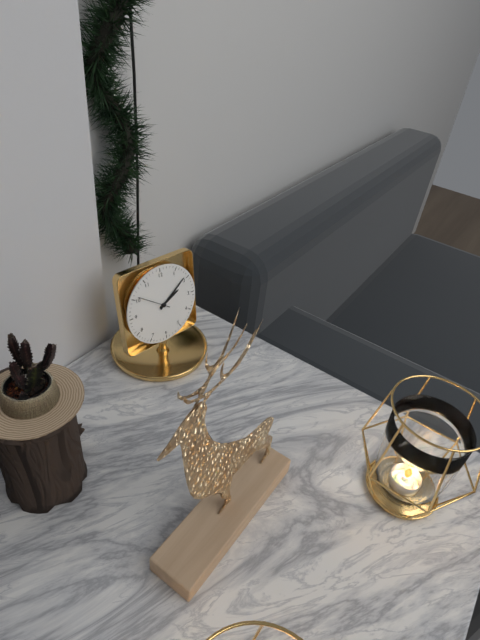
2:09
